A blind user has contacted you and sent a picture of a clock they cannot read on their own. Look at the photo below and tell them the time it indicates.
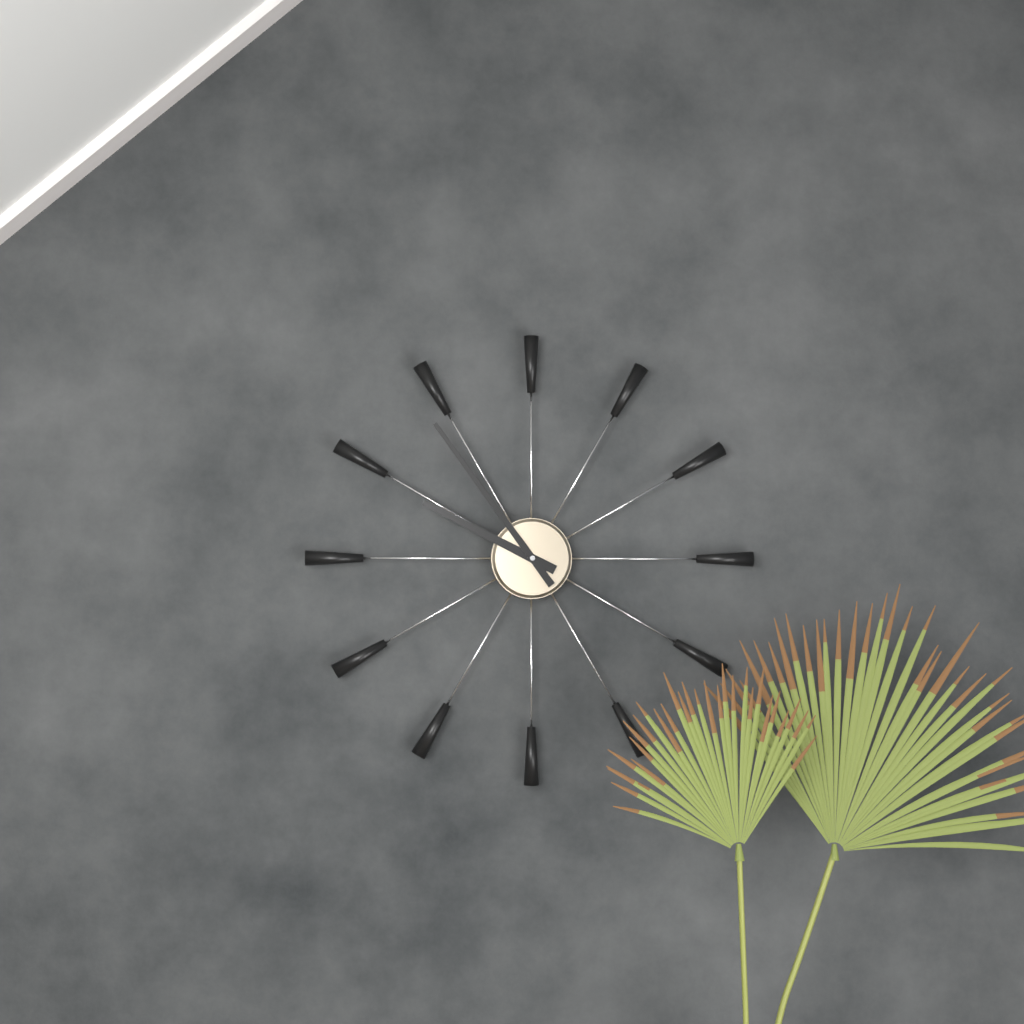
9:54
